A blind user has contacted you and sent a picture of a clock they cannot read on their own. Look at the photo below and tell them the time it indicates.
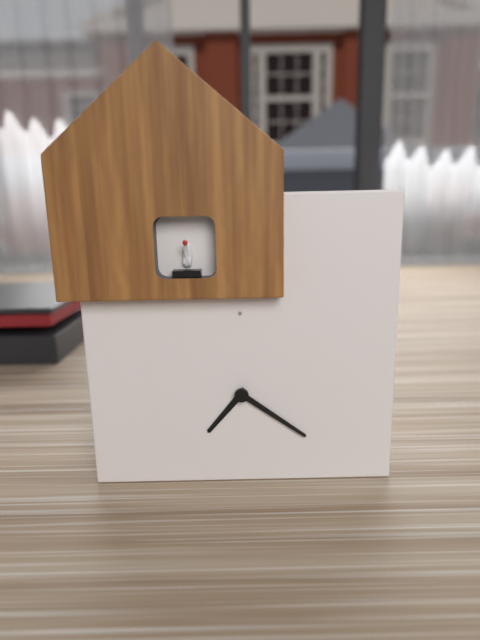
7:21
